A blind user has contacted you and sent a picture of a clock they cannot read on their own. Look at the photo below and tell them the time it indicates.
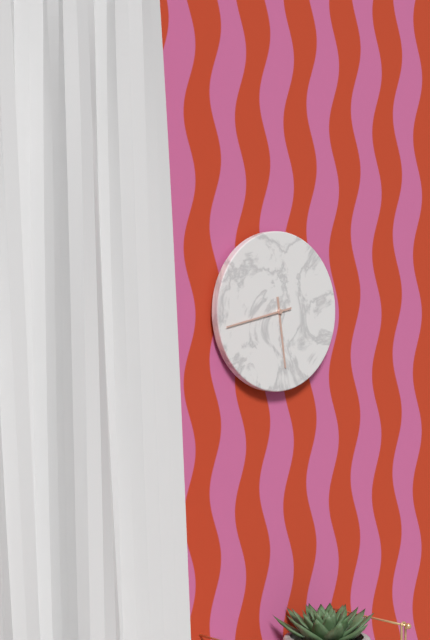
5:43
